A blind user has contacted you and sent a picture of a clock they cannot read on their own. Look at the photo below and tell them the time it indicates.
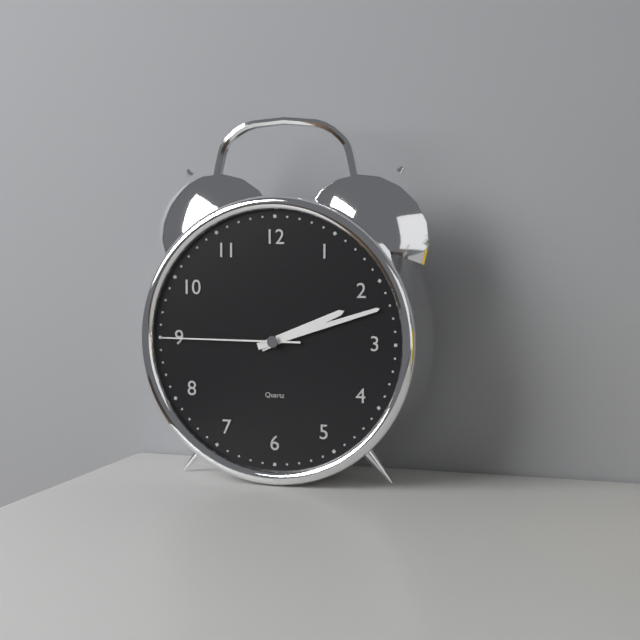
2:12:45
